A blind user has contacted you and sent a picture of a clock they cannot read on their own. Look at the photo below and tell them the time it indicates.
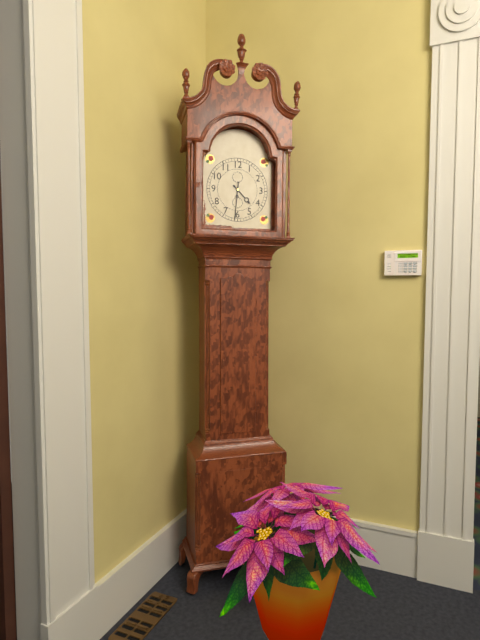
4:31
